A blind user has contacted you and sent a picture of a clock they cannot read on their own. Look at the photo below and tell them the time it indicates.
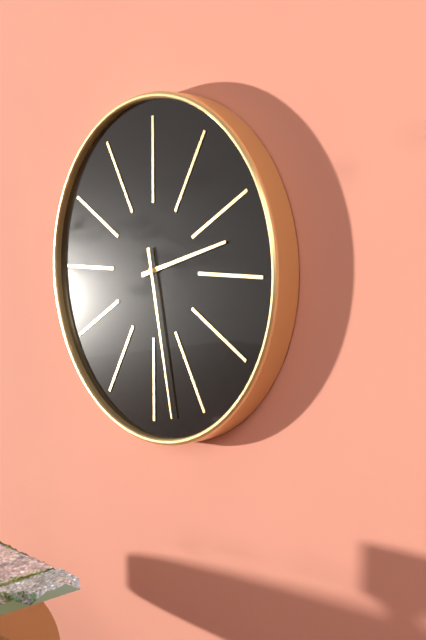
2:28
